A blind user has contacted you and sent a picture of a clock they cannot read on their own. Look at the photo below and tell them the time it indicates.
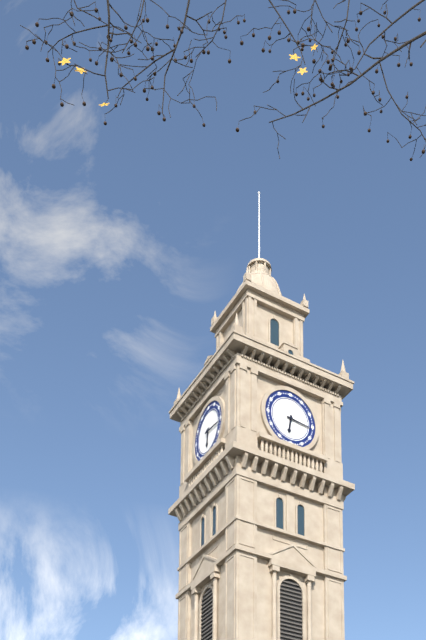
6:16
